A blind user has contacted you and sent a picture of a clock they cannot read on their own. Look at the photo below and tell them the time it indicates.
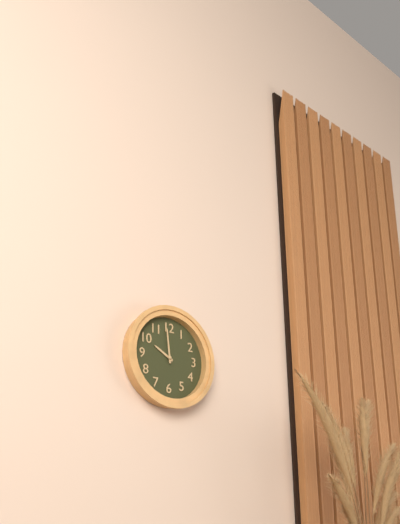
9:59
